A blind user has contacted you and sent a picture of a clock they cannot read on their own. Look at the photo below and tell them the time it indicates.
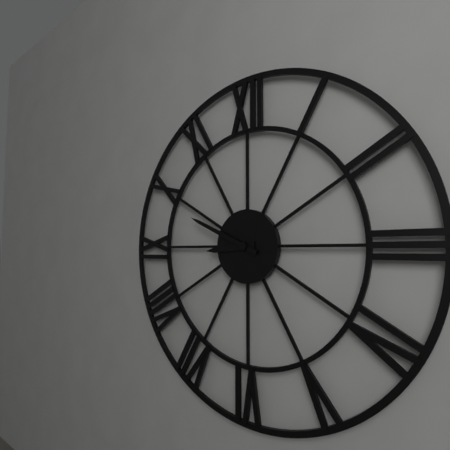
8:49
